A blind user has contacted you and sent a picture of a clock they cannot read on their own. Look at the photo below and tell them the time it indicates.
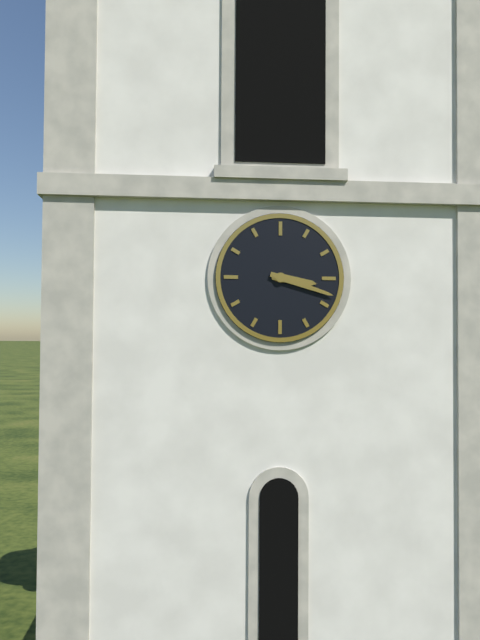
3:18
